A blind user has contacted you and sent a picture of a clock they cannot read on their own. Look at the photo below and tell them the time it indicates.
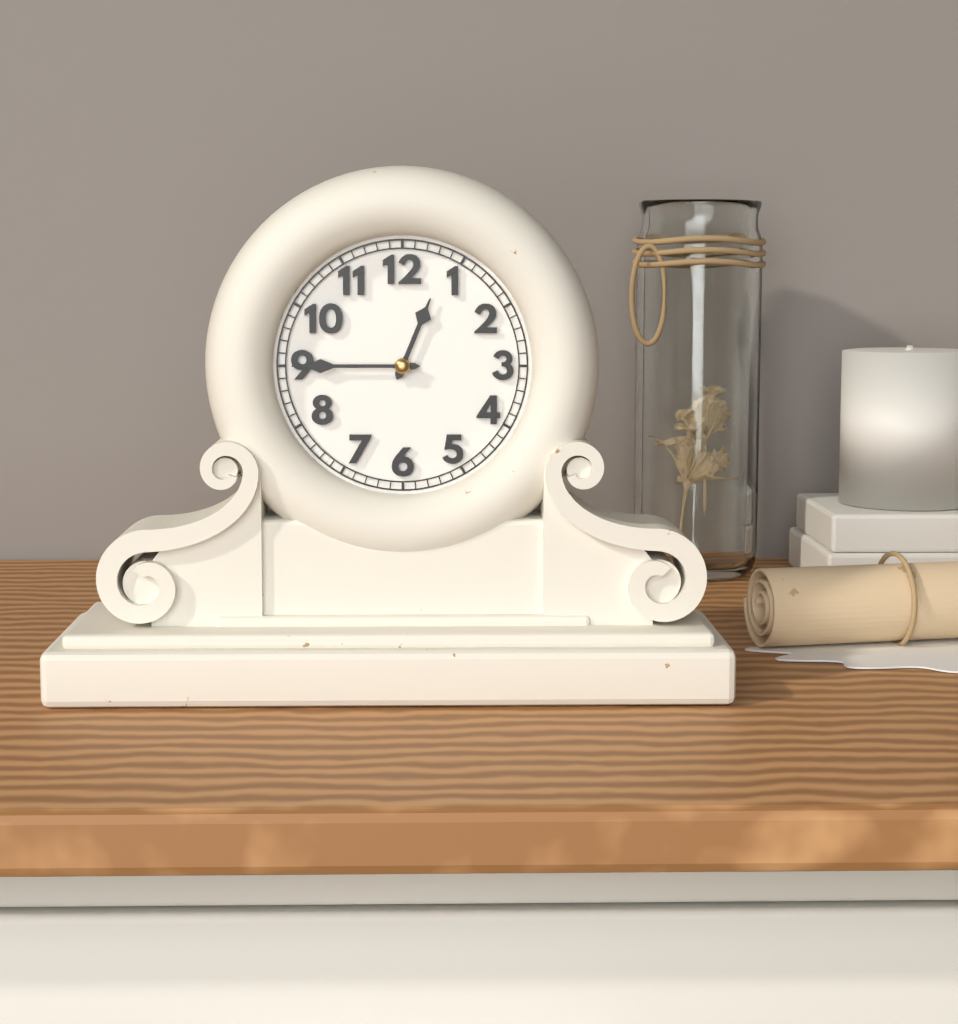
12:45
